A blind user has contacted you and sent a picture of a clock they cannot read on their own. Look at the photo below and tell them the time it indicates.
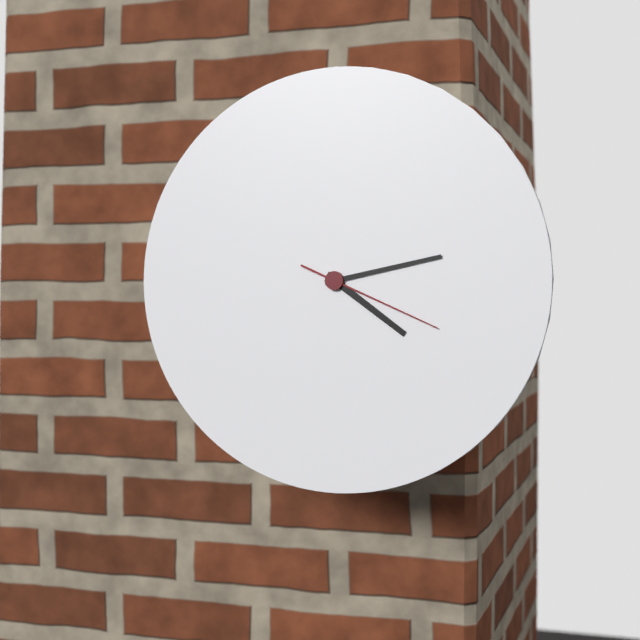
4:13:19
